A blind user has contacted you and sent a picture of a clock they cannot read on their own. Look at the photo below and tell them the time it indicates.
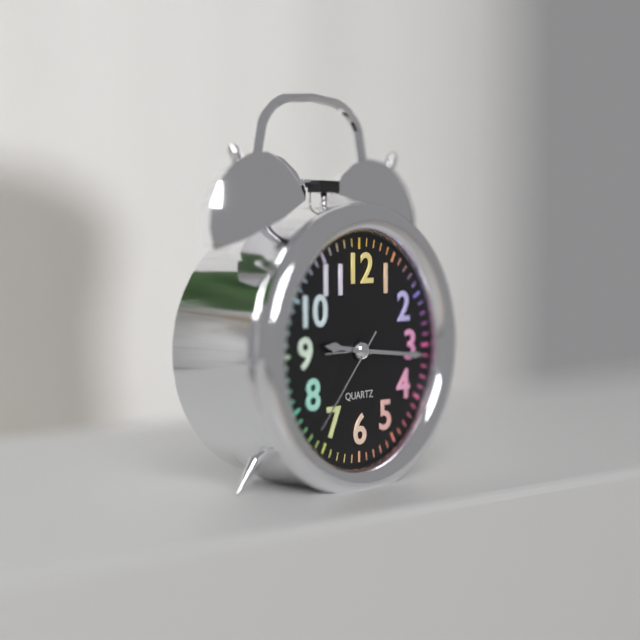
9:16:37
